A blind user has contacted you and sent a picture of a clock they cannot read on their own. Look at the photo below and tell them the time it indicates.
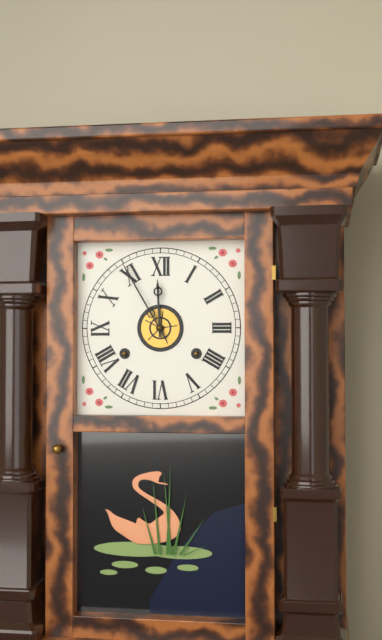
11:55
